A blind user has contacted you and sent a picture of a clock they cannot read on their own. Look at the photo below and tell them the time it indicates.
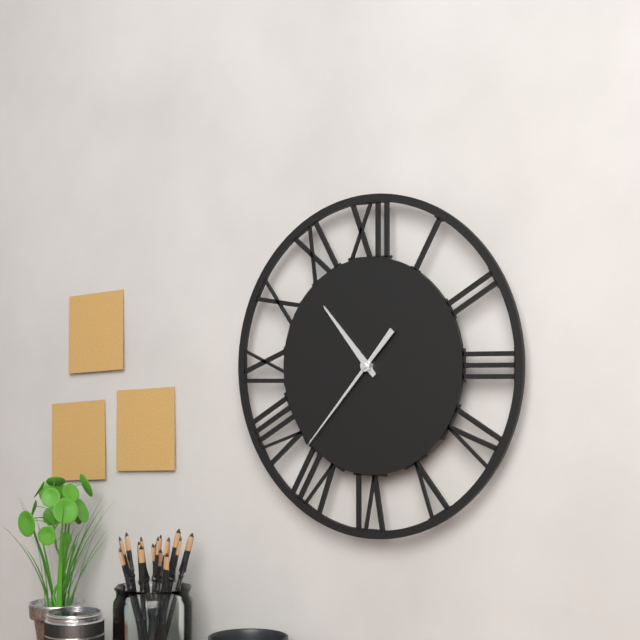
10:37
